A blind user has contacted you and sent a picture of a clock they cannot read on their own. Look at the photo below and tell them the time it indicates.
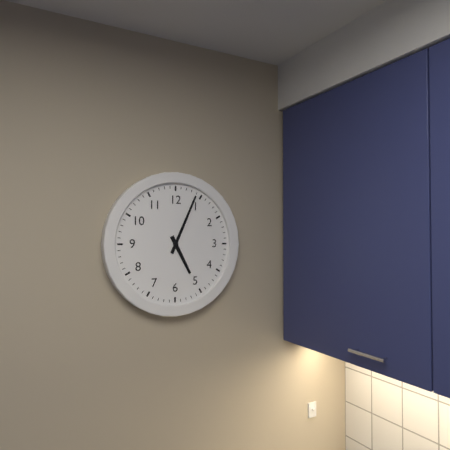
5:04
